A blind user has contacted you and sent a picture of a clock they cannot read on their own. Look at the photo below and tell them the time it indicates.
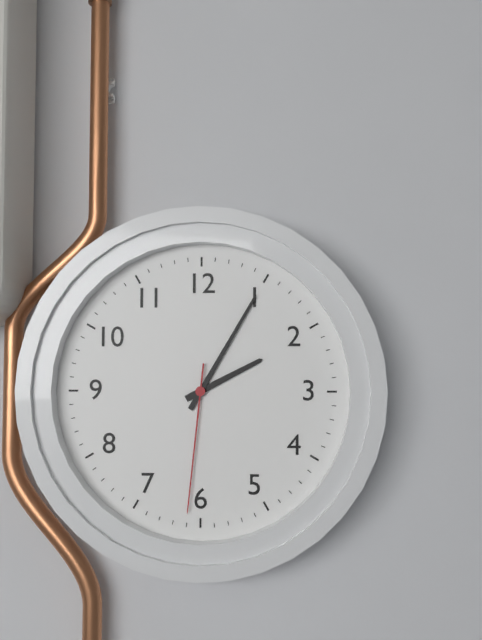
2:05:31
